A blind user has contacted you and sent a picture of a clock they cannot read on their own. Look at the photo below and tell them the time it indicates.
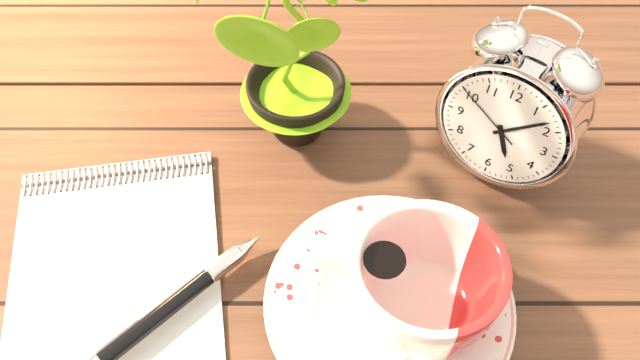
5:08:50
